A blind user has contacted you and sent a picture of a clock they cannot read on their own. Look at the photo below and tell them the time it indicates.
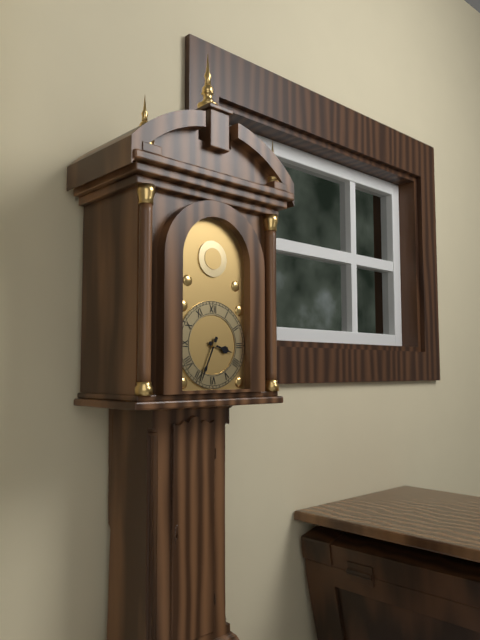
3:34
